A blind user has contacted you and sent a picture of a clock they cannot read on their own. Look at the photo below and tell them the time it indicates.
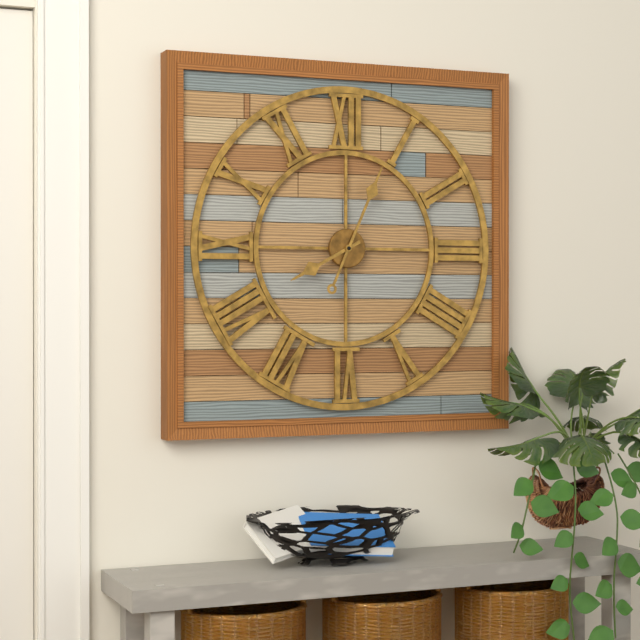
8:04
